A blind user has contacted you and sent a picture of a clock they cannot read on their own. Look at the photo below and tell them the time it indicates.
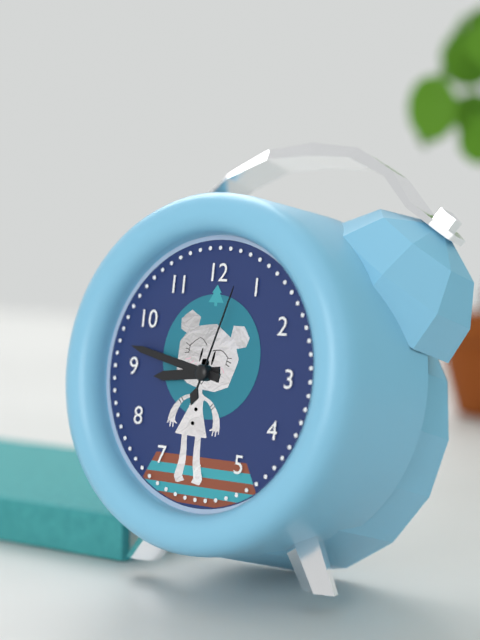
8:47:03
